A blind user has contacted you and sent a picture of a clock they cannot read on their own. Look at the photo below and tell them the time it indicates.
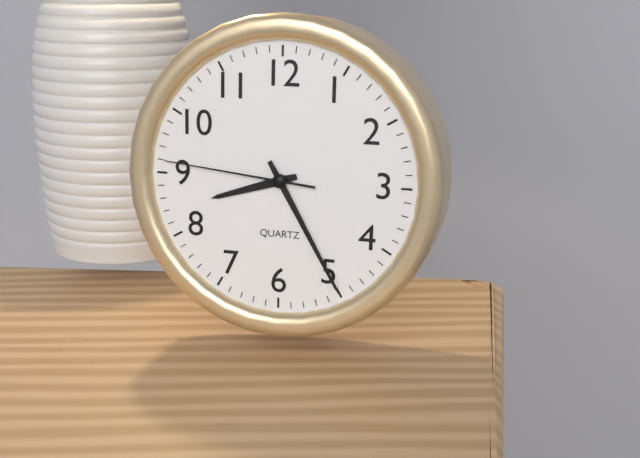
8:25:46
